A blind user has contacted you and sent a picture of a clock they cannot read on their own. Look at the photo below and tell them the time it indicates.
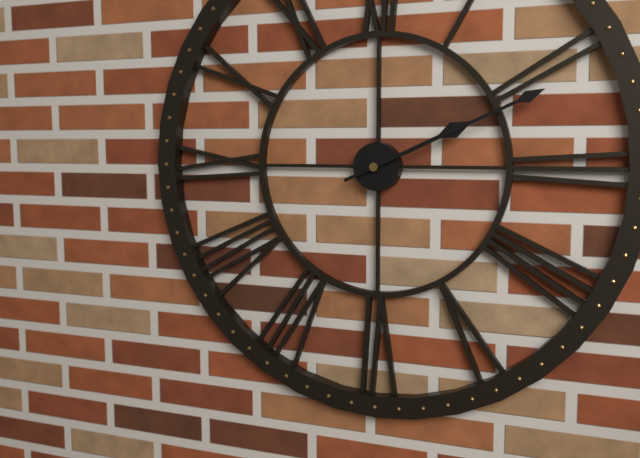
2:11
